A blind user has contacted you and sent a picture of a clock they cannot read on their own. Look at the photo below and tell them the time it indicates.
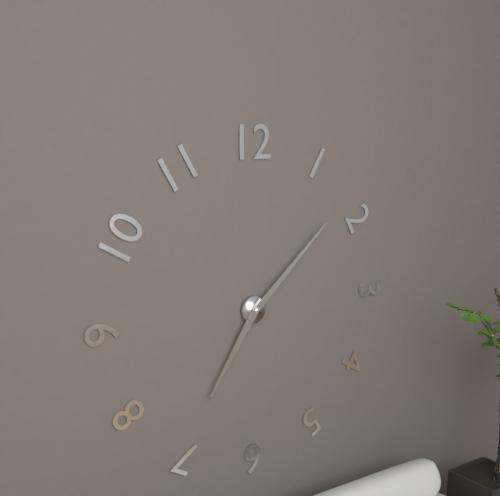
7:08
